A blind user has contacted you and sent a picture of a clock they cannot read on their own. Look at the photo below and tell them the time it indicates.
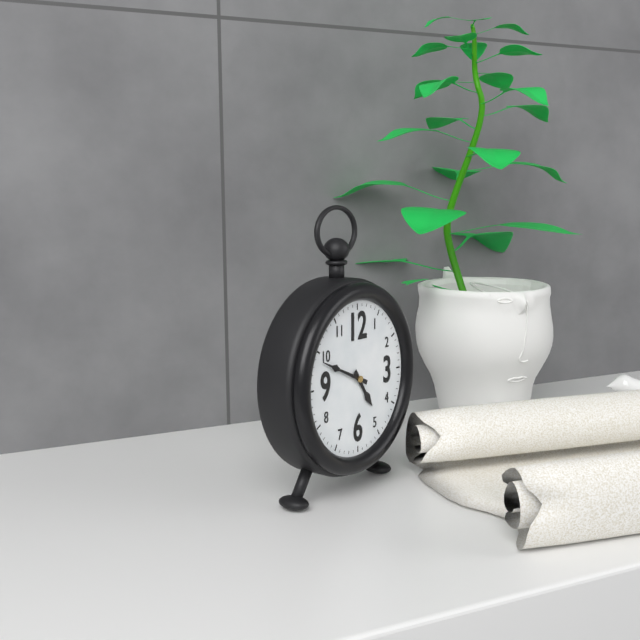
4:49
